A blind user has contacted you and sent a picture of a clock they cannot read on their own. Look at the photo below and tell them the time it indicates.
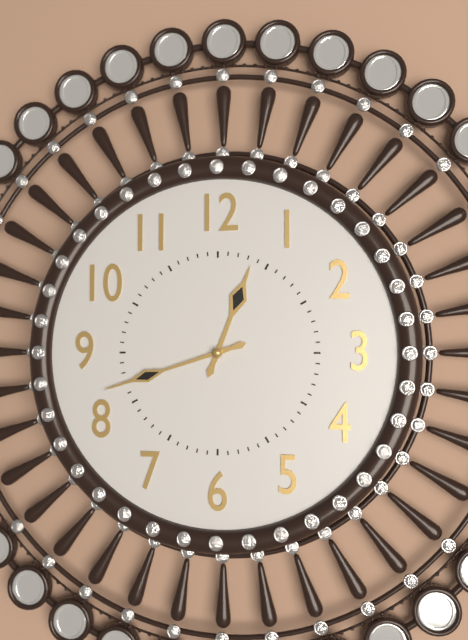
12:42
